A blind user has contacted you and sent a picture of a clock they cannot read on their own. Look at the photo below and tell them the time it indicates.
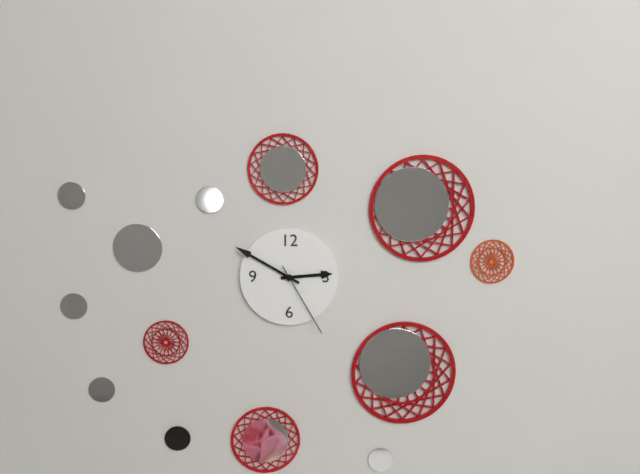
2:50:25
